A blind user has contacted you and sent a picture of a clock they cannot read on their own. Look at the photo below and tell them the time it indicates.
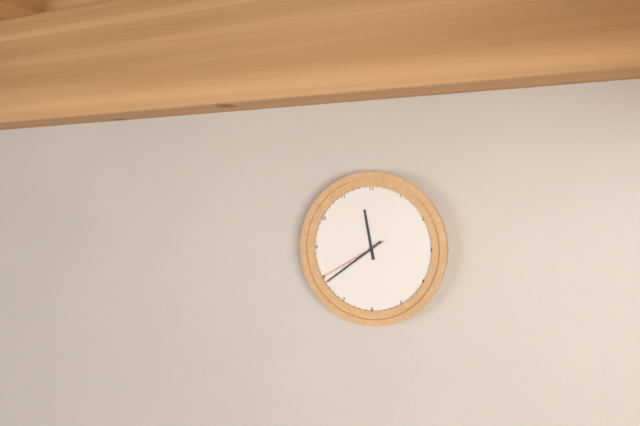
11:39:40
